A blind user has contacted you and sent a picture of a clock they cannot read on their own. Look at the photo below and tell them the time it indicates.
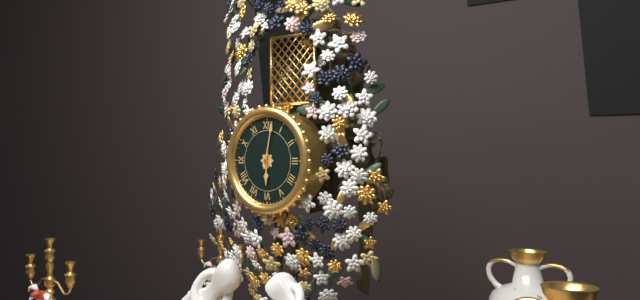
6:02
